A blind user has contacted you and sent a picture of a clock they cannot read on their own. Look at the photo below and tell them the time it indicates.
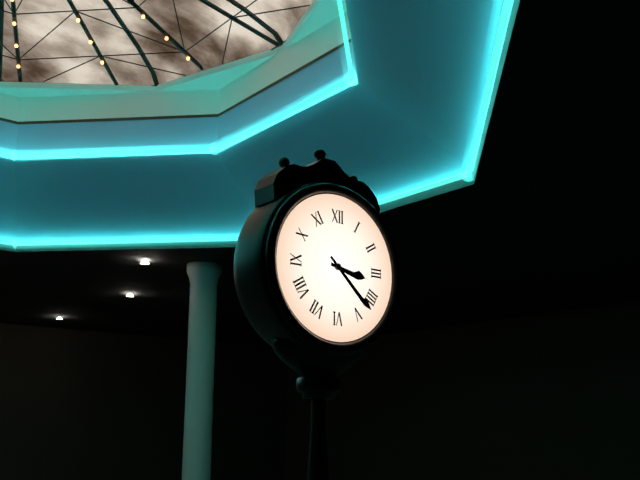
3:22
